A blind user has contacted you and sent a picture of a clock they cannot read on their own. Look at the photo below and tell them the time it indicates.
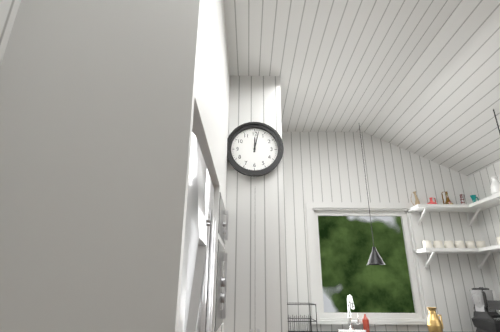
12:02
